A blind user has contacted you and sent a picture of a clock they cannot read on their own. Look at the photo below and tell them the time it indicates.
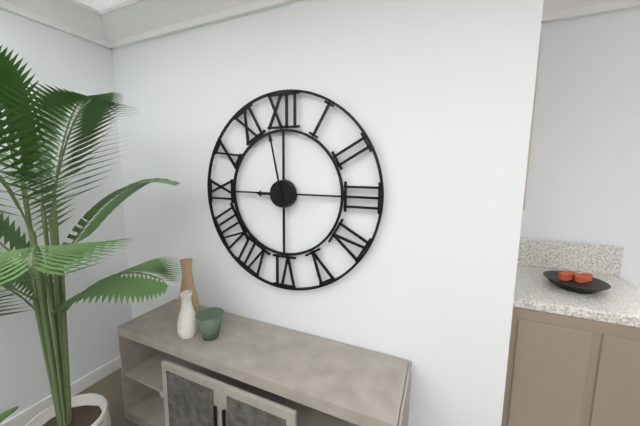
8:58
